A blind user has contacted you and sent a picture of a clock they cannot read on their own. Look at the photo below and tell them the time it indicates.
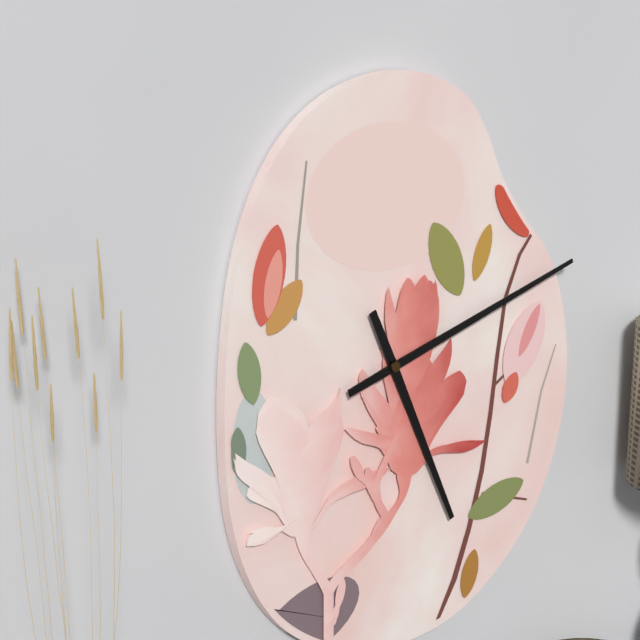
5:12
